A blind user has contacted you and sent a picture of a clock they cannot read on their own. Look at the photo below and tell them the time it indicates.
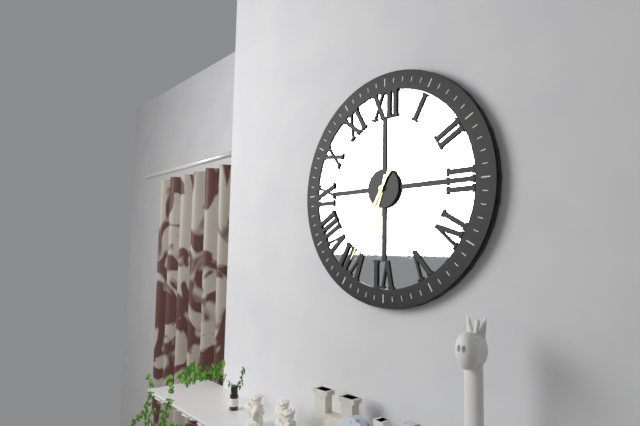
6:35
